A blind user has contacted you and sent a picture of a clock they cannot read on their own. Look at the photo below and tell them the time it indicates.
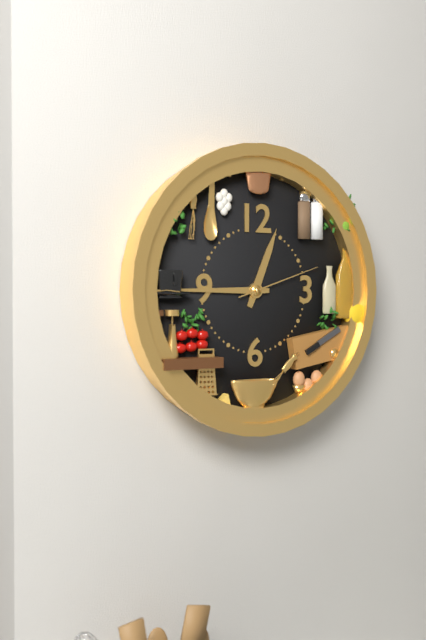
12:45:12
